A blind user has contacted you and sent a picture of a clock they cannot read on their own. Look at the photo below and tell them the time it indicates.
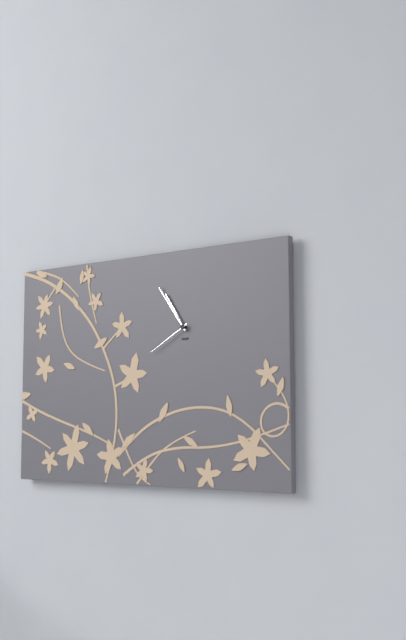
10:54:40
